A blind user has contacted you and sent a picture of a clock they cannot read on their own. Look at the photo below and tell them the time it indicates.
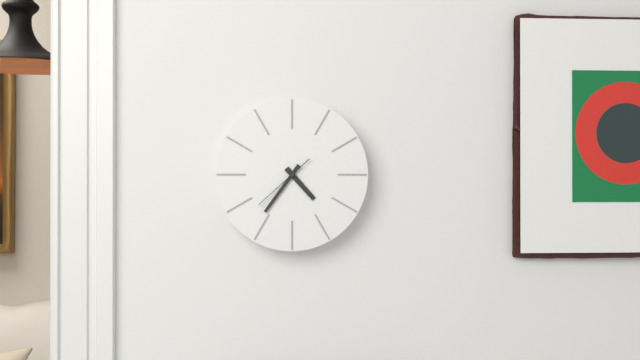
4:36:38
